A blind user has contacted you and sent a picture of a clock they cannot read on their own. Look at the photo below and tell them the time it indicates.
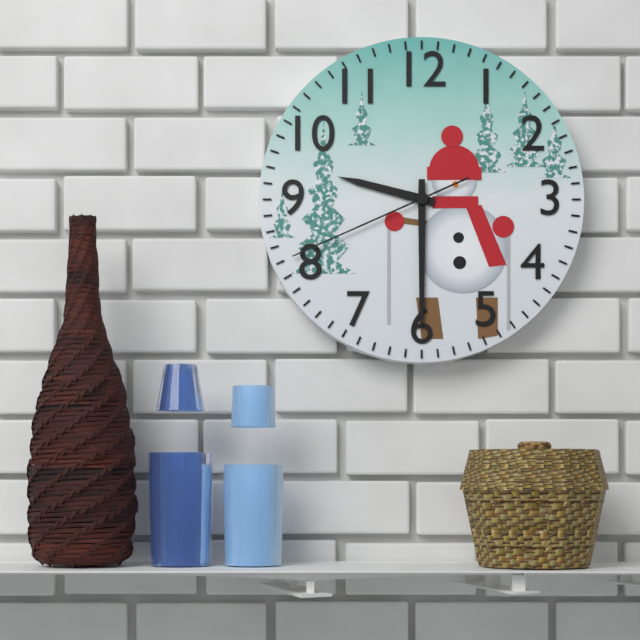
9:30:41
